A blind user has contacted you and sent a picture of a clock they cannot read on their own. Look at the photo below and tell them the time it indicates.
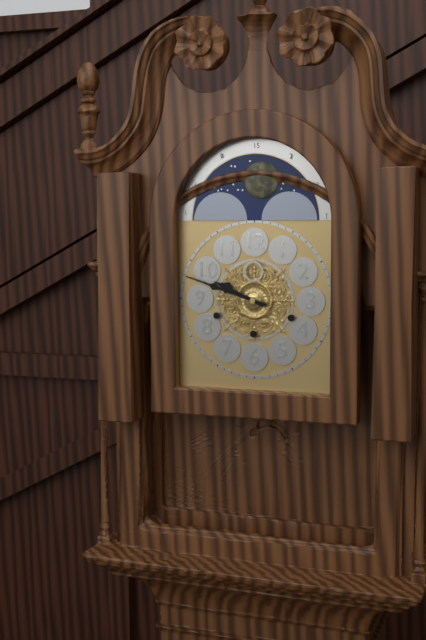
9:48
